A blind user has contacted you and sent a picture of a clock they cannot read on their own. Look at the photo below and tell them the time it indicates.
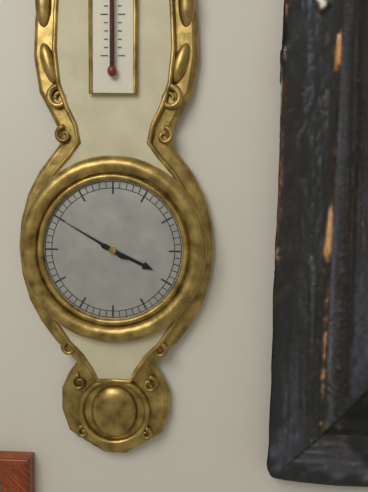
3:50
